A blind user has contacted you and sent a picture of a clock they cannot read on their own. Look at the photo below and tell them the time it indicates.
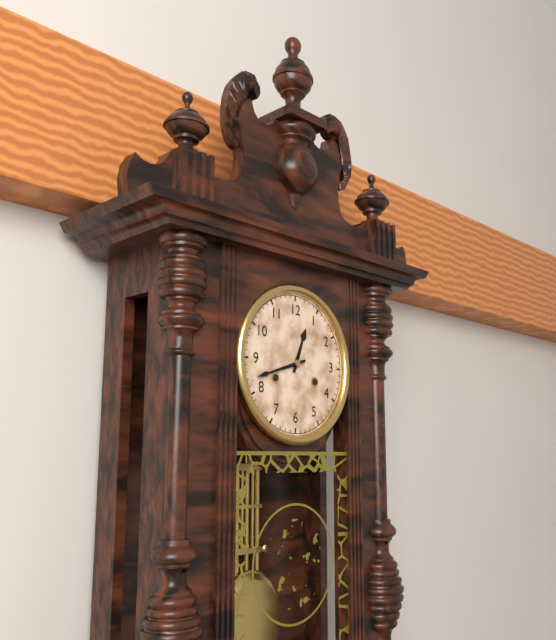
12:42
